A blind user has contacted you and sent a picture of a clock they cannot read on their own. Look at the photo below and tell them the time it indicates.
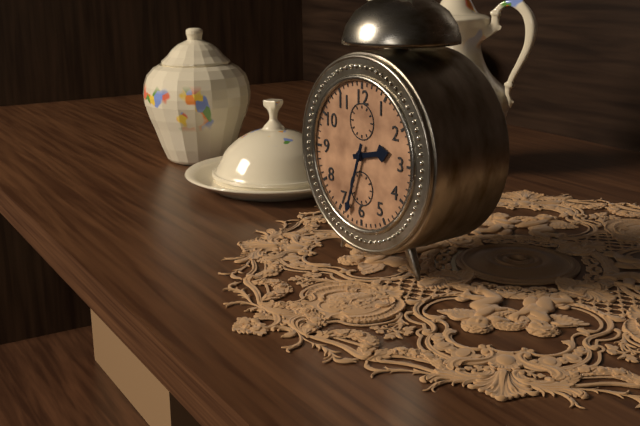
2:33
